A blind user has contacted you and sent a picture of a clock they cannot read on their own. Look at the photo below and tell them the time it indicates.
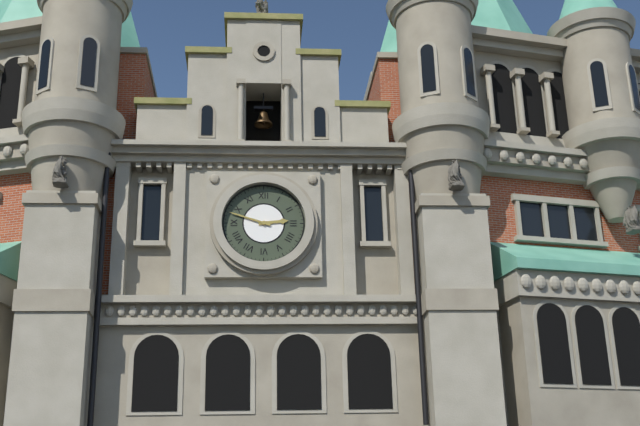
2:48
